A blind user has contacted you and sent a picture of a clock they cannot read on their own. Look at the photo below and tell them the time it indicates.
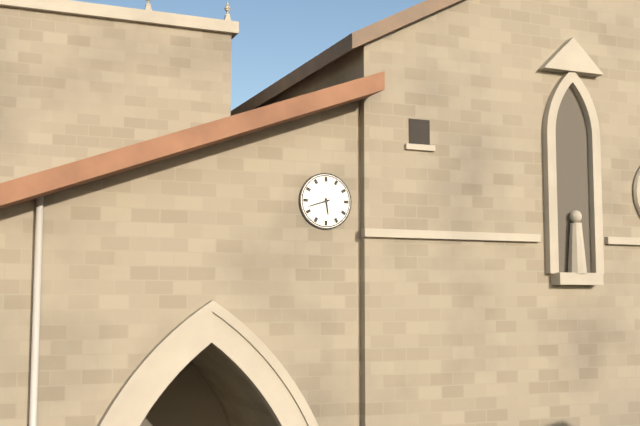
5:42
